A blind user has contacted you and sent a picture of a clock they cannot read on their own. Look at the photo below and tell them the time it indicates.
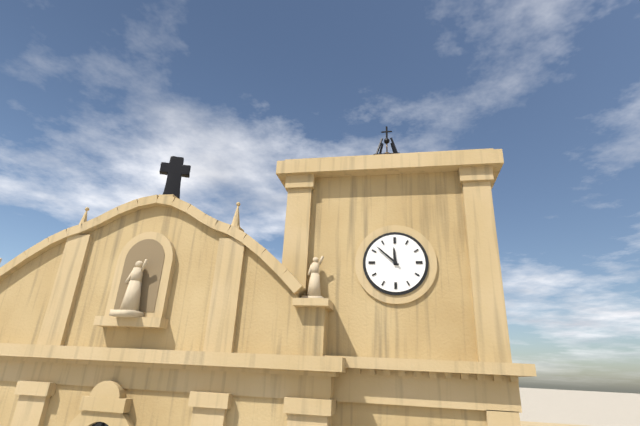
11:52
